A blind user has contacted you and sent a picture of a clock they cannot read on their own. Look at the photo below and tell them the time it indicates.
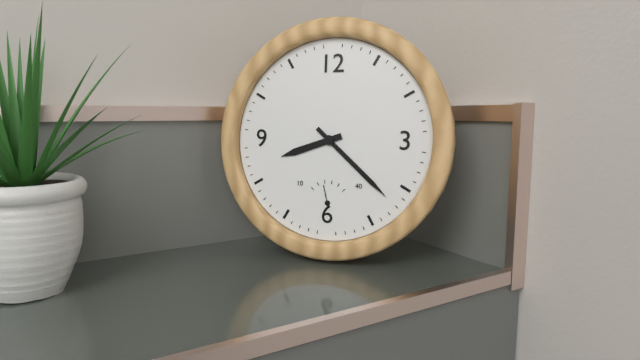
8:22
